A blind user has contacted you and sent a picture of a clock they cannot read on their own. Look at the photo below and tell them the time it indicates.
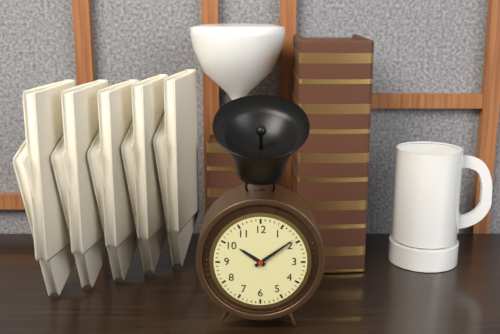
10:09
